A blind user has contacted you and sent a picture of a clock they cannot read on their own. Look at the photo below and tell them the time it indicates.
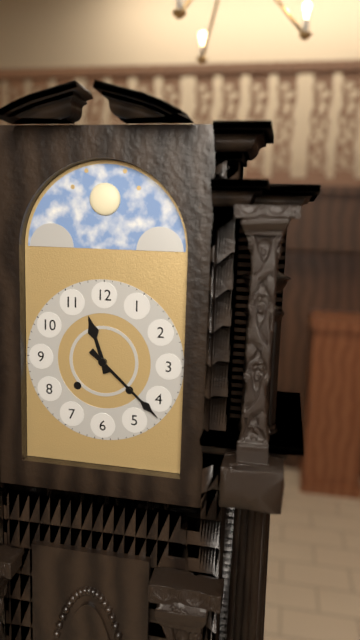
11:22
